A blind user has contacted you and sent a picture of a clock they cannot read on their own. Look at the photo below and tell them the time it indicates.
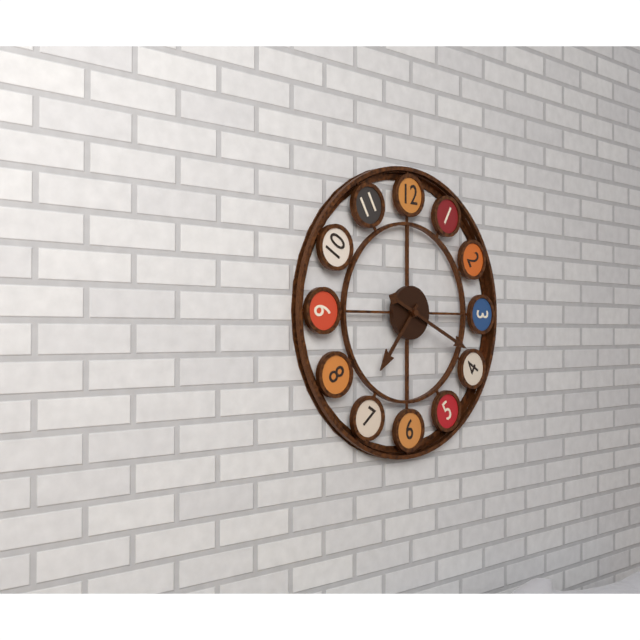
7:19
